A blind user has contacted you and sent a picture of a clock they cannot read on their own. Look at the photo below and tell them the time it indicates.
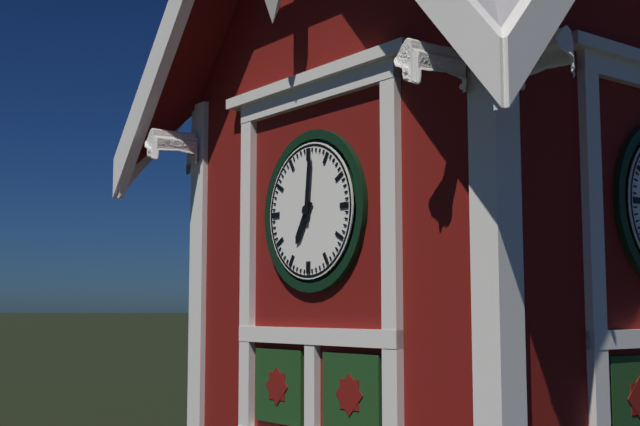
7:01
